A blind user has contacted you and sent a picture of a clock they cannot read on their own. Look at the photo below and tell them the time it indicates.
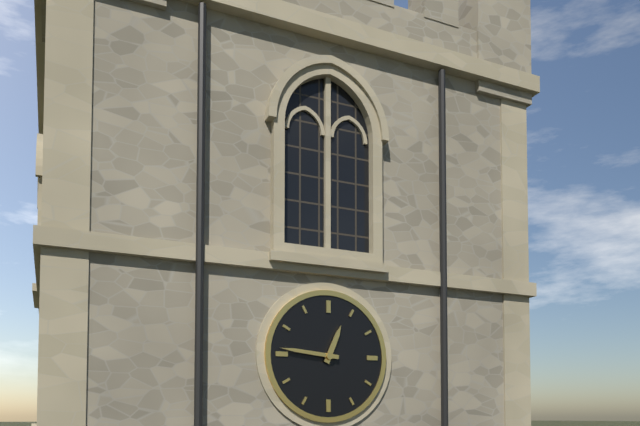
12:46
